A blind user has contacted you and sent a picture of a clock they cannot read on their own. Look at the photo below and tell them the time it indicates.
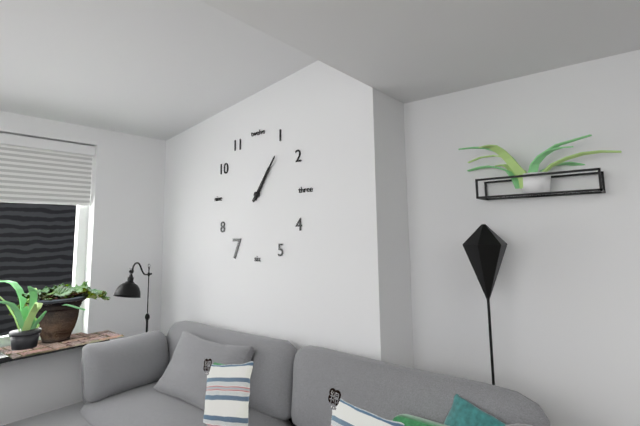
1:06
